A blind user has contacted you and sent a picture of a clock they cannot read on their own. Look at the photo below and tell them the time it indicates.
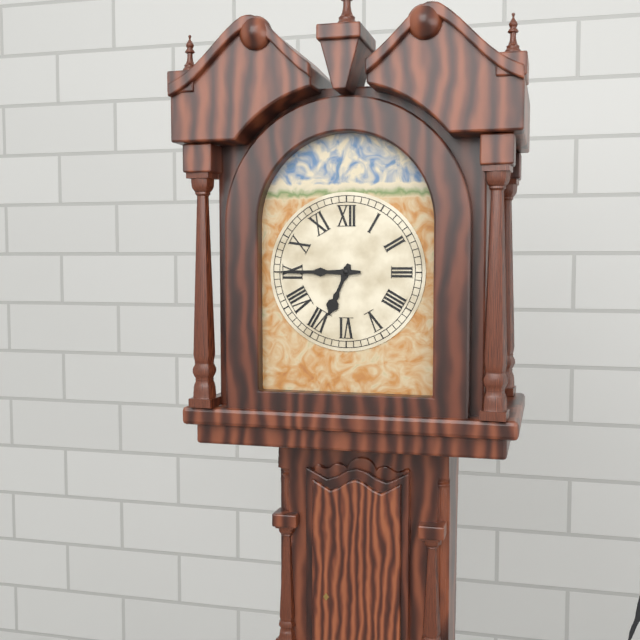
6:45
